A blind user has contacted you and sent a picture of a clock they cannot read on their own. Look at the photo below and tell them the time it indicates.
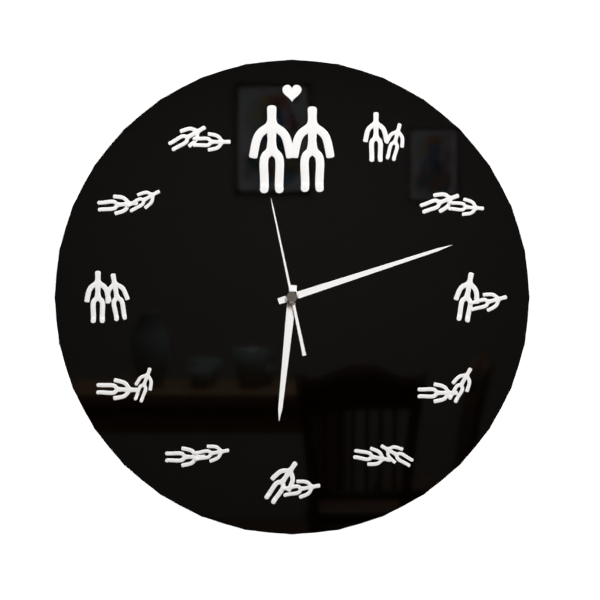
6:12:58
